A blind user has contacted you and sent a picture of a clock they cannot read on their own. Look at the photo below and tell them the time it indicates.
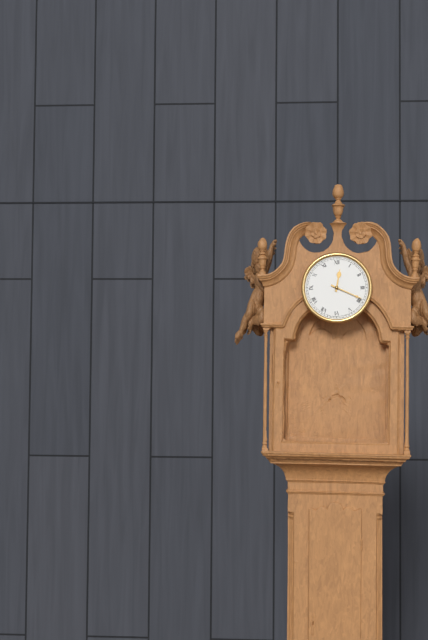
12:19
